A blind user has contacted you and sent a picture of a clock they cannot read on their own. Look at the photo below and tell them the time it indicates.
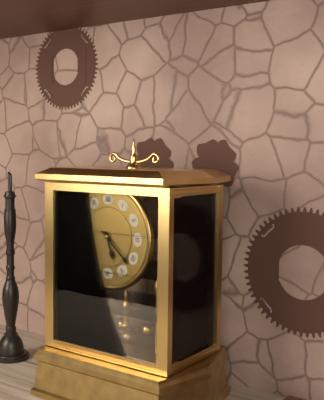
5:22
